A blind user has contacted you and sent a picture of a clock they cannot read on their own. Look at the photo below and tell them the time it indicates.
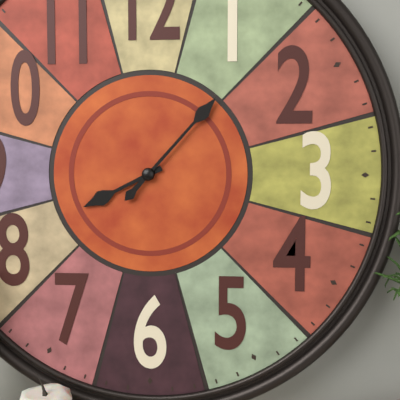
8:07
